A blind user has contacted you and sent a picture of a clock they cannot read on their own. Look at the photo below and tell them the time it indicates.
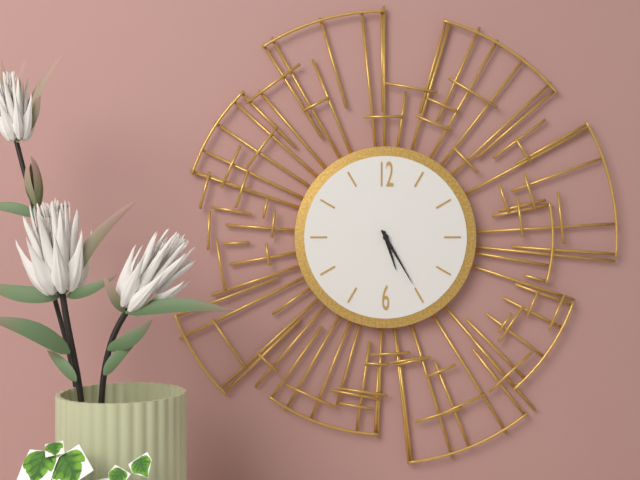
5:25
